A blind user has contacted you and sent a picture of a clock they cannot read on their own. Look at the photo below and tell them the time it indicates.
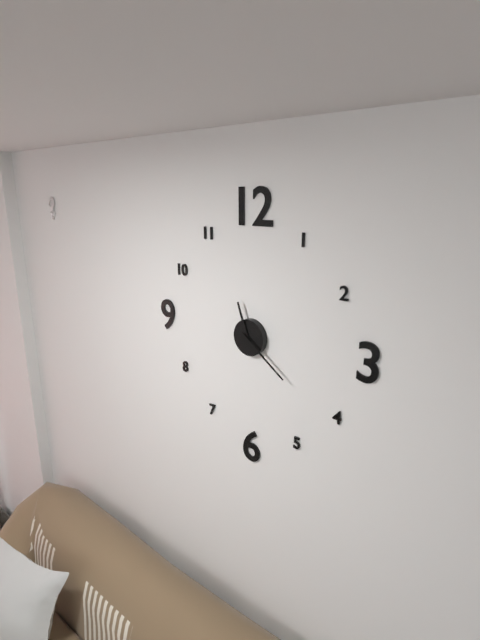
11:21
